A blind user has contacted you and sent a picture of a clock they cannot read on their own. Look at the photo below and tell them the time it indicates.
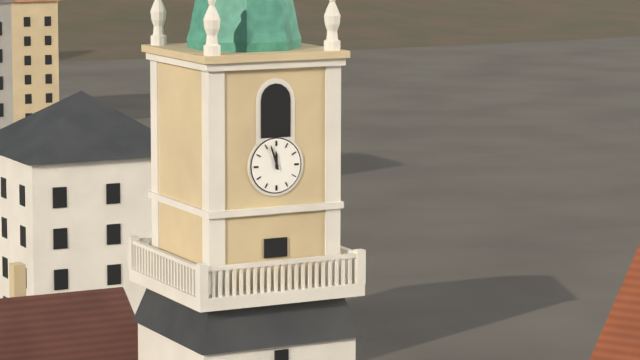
11:57
